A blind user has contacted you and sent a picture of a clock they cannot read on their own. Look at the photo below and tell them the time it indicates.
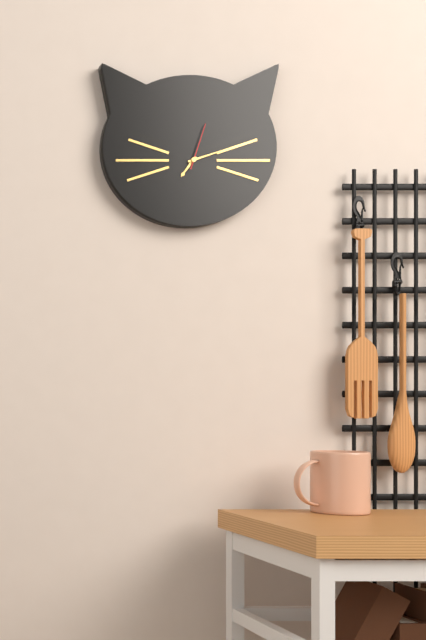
7:12:03
